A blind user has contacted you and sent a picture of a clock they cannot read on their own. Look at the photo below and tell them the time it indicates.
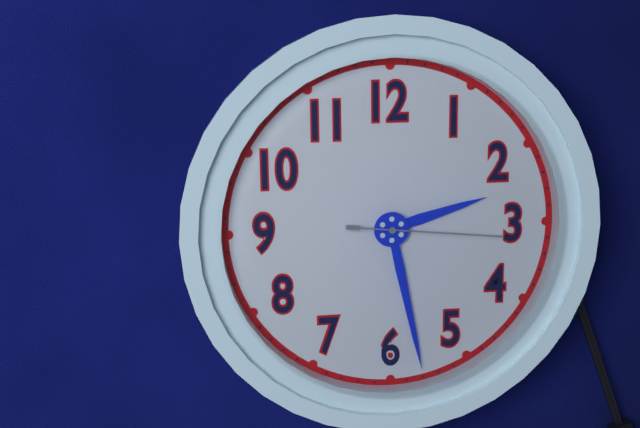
2:28:16
